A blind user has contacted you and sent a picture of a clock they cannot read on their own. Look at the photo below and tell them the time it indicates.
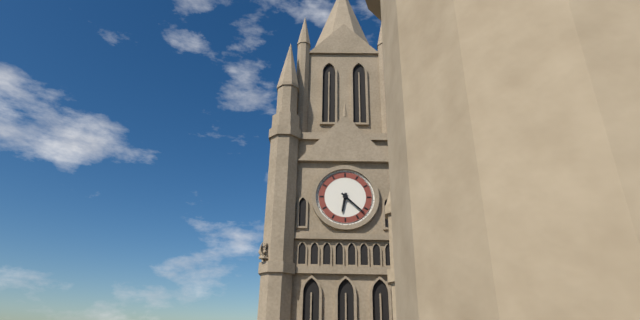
6:22
